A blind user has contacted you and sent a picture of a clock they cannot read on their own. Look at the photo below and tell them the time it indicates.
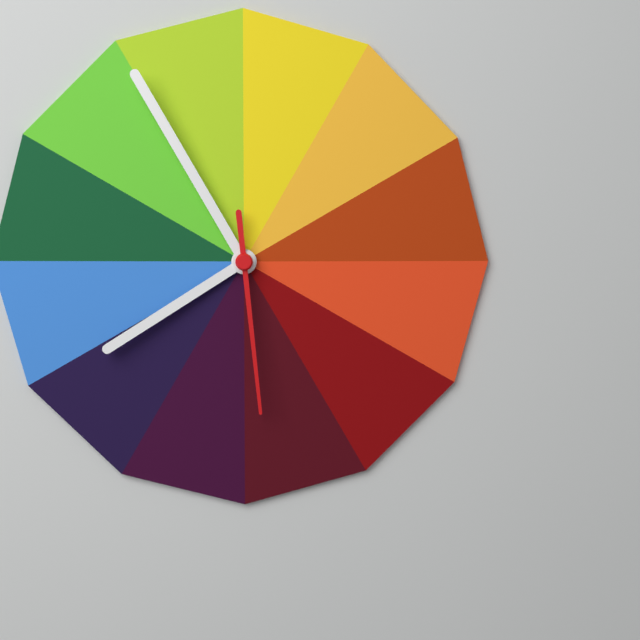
7:55:29
